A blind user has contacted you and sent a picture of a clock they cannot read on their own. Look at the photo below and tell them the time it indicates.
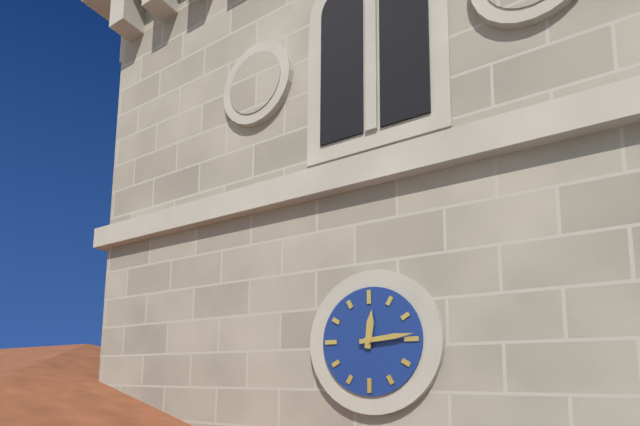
12:14
